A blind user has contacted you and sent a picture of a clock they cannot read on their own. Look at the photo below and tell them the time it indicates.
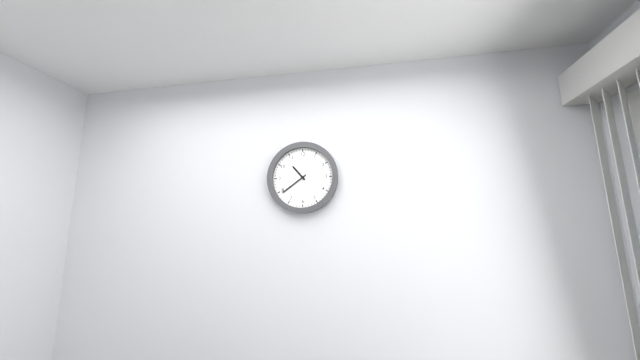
10:39
